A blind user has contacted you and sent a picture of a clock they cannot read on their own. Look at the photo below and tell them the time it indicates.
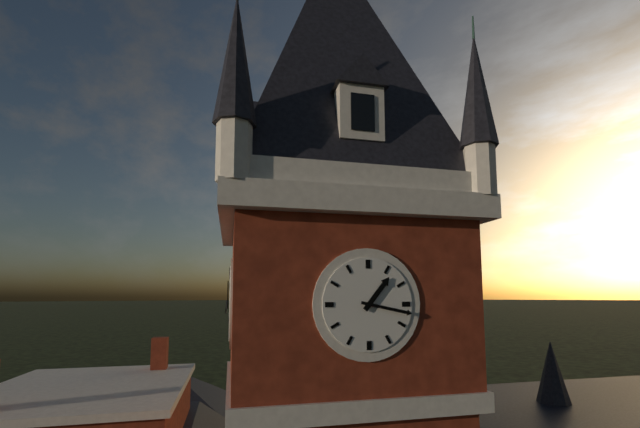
1:17
